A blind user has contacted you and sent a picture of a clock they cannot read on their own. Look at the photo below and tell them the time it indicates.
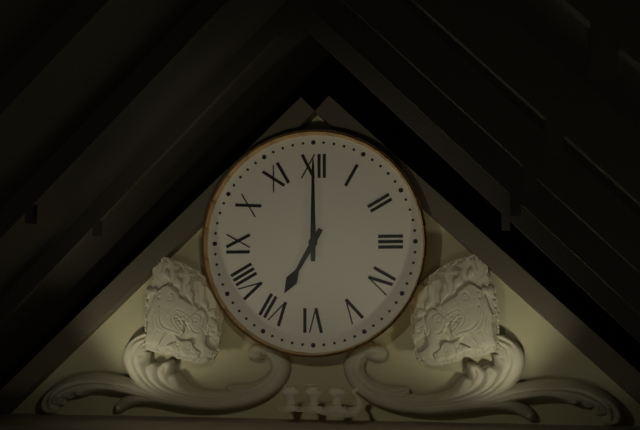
7:00
